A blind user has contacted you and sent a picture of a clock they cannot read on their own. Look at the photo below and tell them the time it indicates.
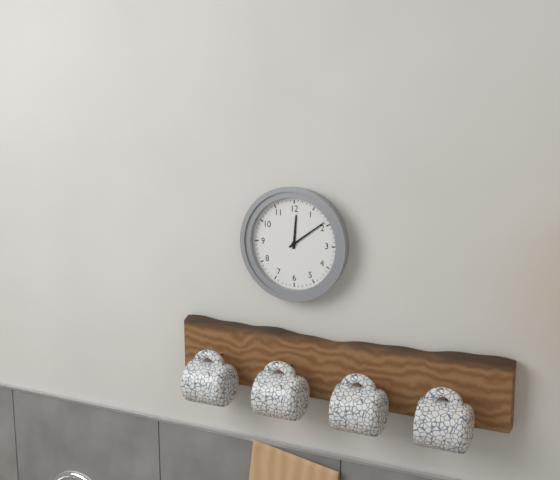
12:09
